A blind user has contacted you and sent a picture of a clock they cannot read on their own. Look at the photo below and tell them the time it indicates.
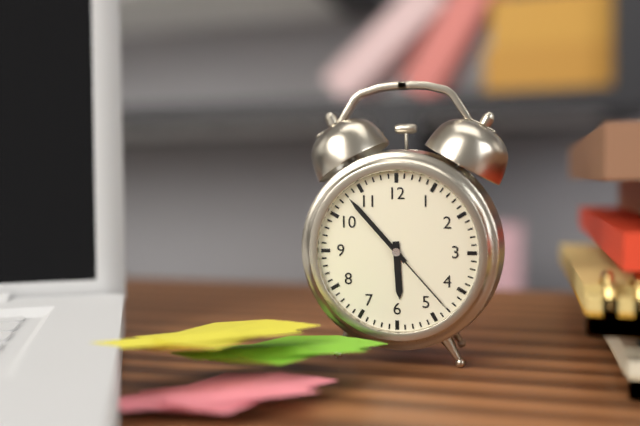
5:53:23
